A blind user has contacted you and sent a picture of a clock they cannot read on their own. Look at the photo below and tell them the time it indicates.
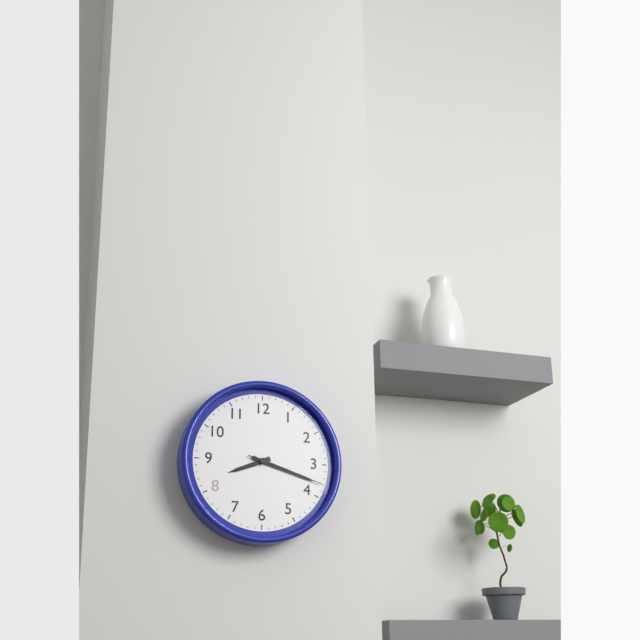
8:18:18
